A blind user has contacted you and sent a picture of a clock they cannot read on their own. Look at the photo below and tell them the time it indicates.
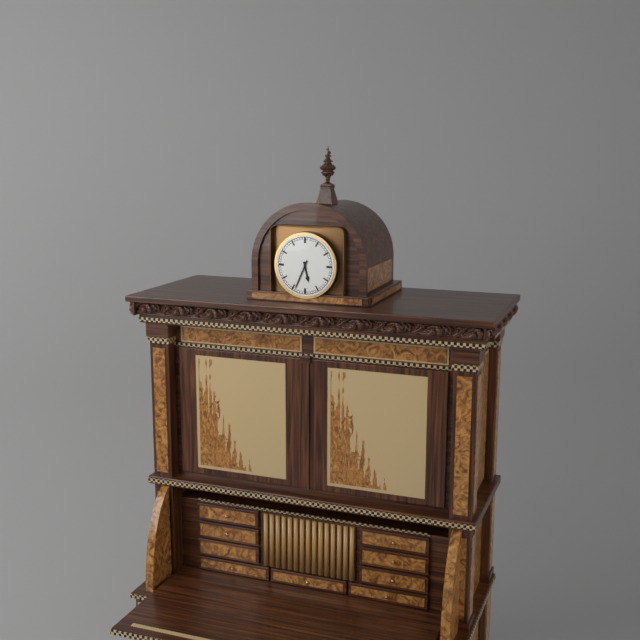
5:34
